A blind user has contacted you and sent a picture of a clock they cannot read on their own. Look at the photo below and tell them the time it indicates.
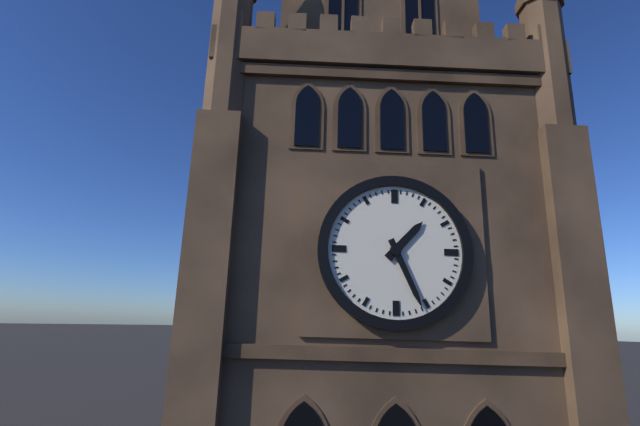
1:26
